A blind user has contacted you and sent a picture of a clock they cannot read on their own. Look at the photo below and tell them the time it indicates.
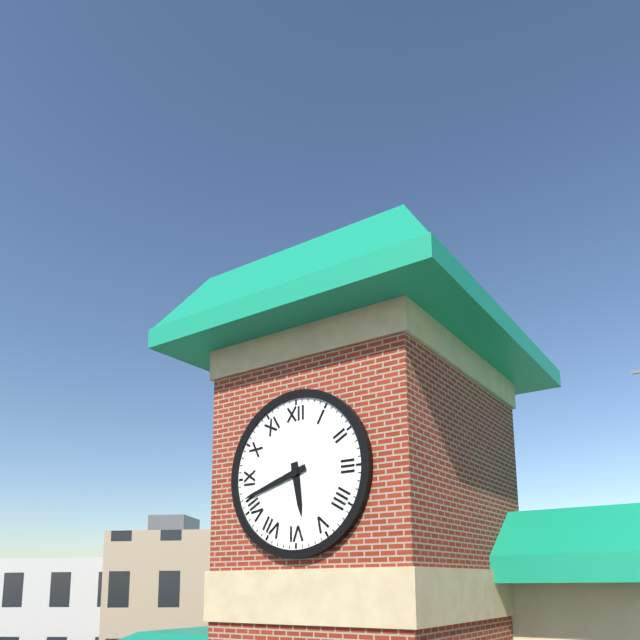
5:42
